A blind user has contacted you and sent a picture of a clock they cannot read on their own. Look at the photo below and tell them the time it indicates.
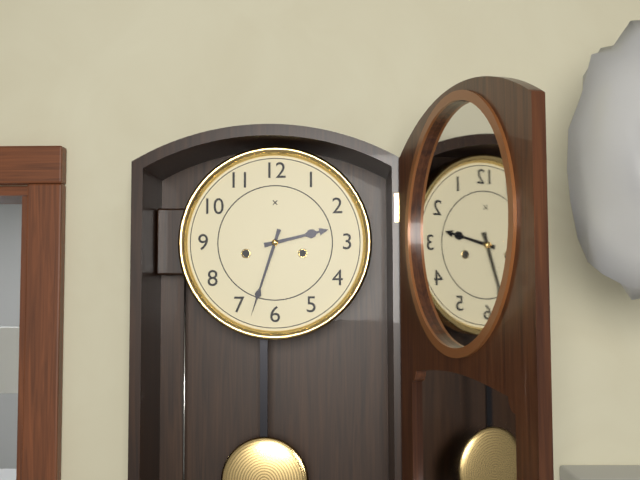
2:33
